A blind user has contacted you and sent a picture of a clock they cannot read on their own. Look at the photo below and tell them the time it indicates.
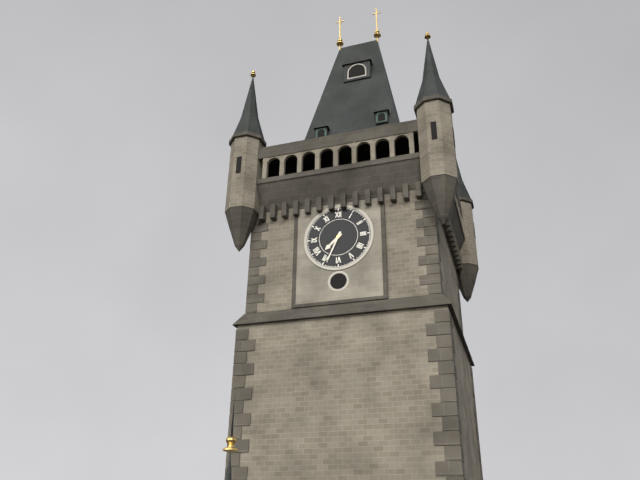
7:34
